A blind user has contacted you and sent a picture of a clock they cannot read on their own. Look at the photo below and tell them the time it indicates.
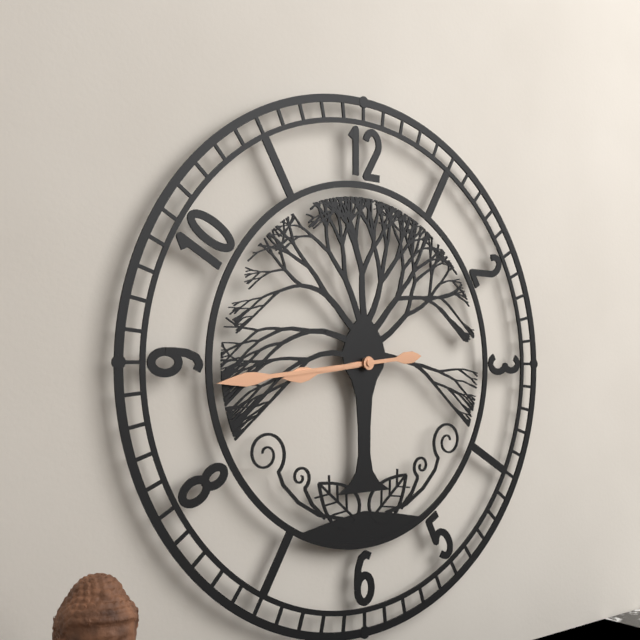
8:44
